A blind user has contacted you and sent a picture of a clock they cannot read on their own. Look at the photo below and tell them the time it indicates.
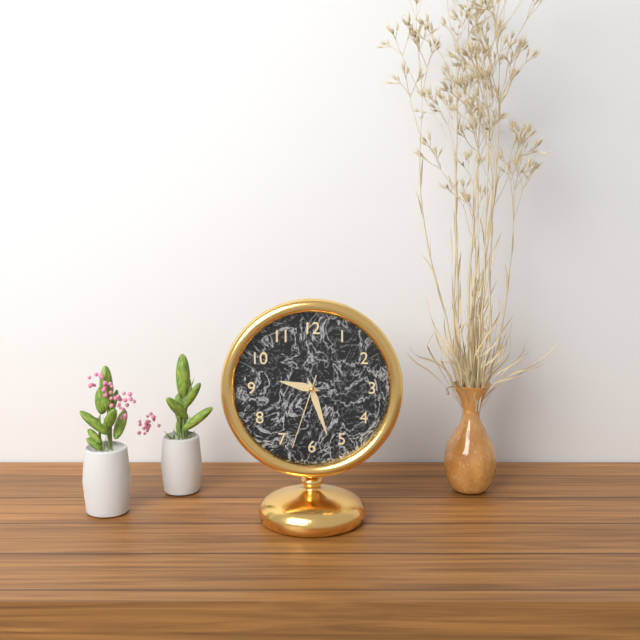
9:27:33
